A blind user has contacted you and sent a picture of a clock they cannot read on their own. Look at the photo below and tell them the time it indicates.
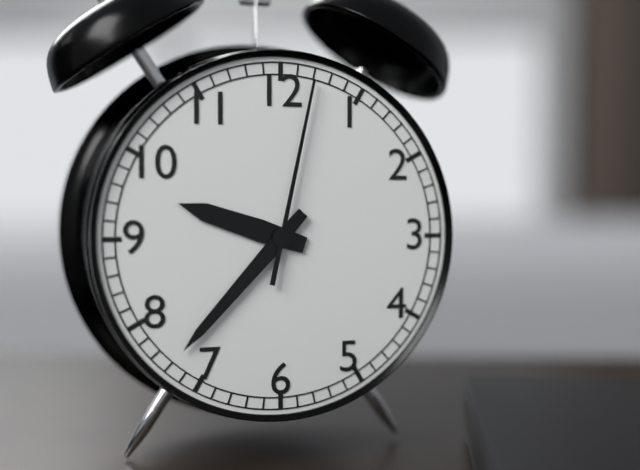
9:37:02
